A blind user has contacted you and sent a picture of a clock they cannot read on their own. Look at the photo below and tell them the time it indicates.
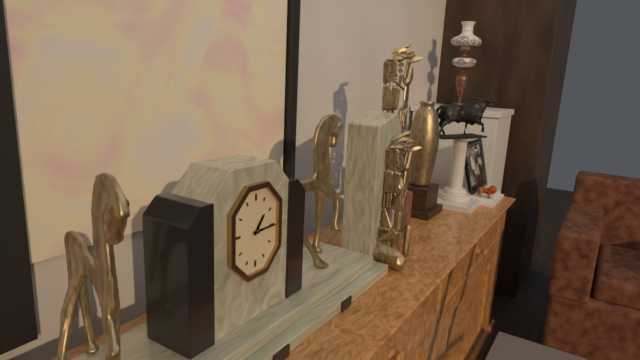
1:15
